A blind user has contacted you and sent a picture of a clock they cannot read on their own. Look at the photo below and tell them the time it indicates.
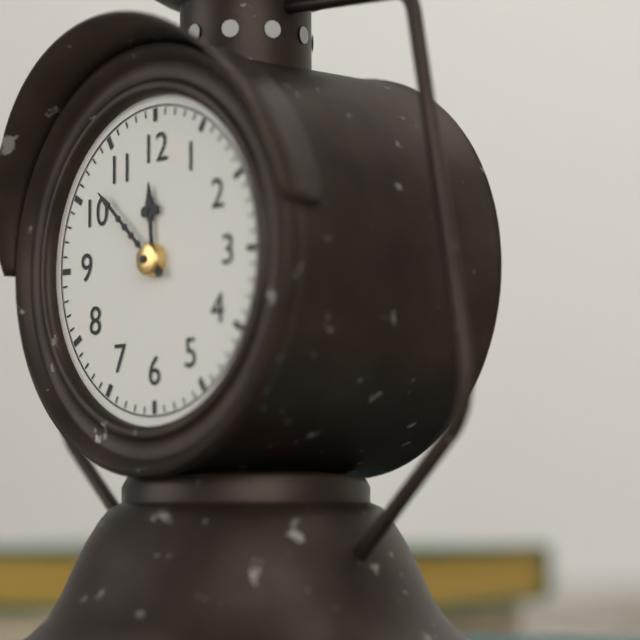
11:52
